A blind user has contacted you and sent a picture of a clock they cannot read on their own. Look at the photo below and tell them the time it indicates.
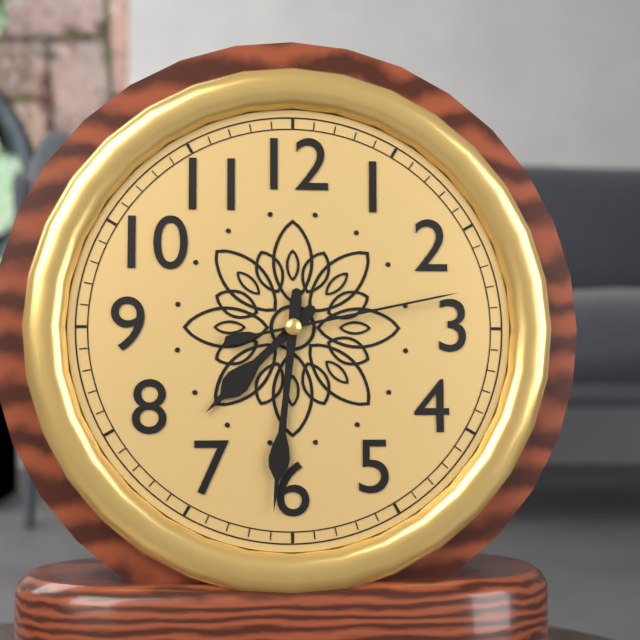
7:31:13
